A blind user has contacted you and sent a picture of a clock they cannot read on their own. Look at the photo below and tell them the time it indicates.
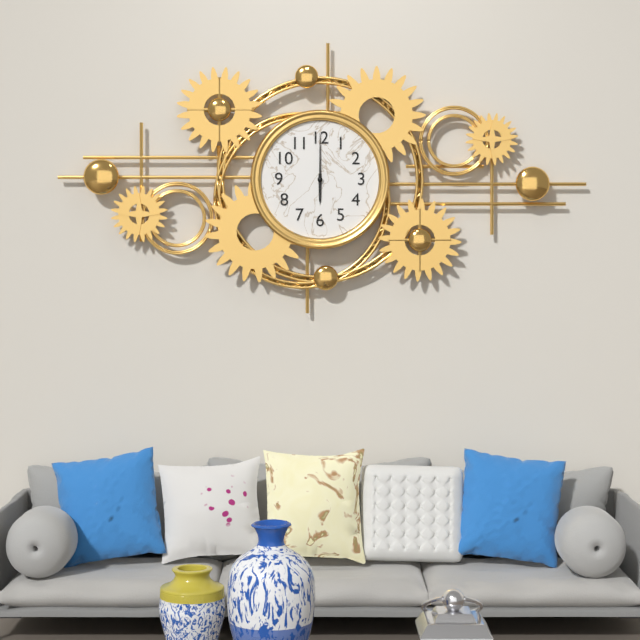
6:00
